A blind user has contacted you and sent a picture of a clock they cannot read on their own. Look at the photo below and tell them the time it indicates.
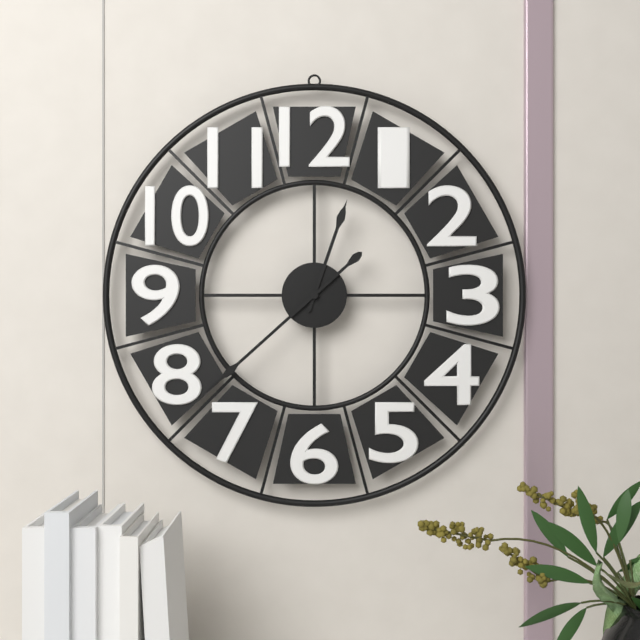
12:38
